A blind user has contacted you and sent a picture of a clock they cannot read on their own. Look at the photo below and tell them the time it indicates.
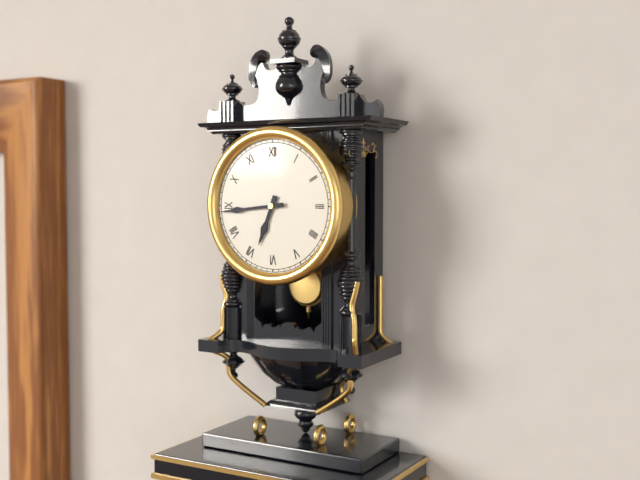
6:44
